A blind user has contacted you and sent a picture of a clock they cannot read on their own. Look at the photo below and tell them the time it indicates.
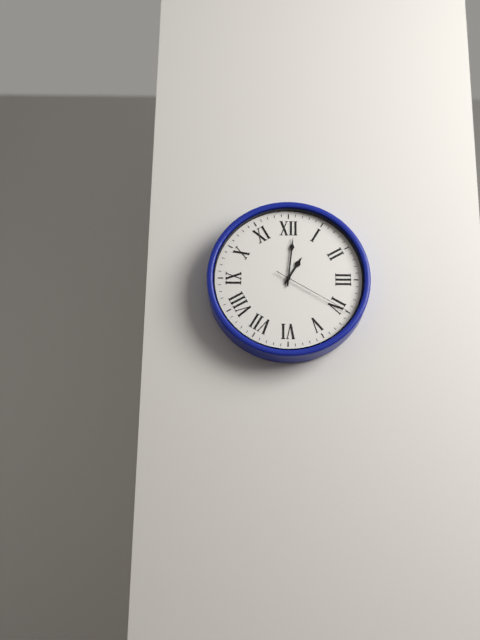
1:01:20
